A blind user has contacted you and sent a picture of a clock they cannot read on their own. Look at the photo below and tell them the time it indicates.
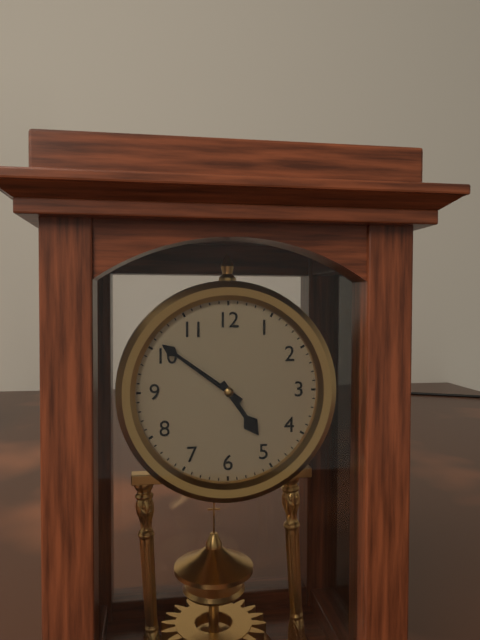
4:51
